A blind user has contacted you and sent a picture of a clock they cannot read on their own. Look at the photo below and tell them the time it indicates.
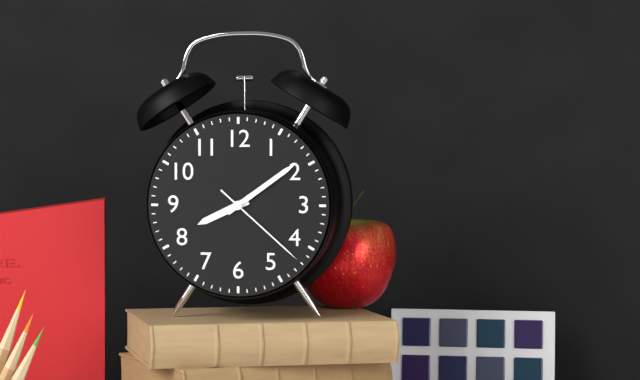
8:09:22
